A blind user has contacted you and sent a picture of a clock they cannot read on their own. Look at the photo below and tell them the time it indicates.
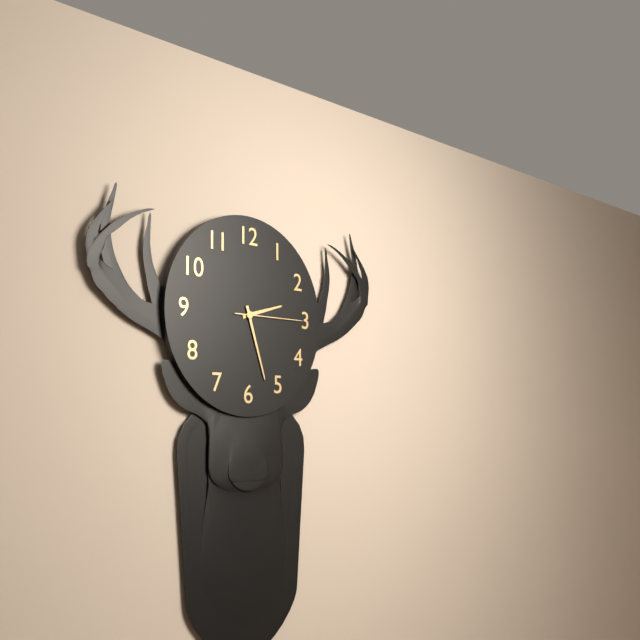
2:27:15
